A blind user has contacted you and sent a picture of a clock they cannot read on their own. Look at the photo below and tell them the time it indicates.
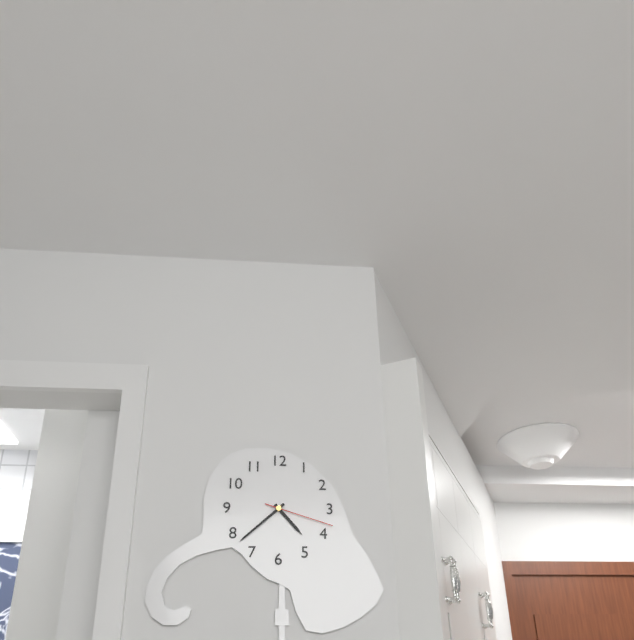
4:38:18
